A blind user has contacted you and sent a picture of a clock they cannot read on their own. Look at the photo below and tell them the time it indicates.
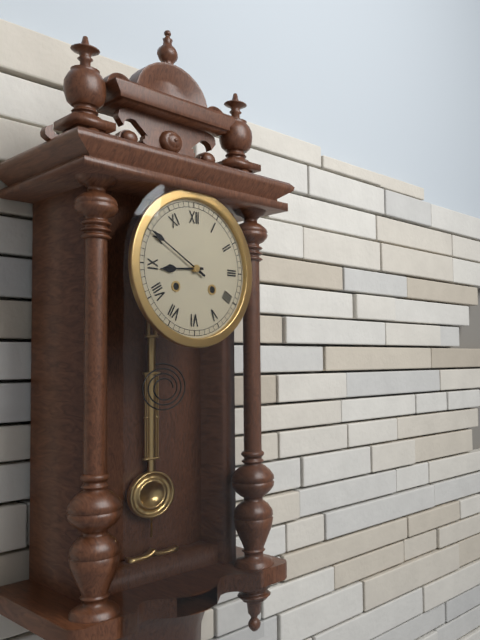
8:50
